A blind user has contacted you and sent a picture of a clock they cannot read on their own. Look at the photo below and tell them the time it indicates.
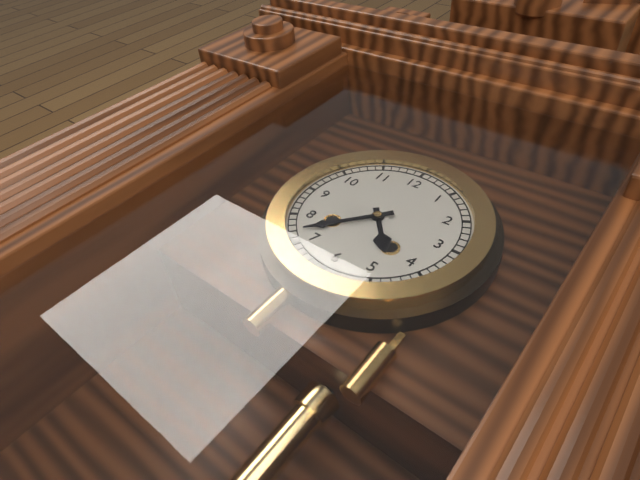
4:37
